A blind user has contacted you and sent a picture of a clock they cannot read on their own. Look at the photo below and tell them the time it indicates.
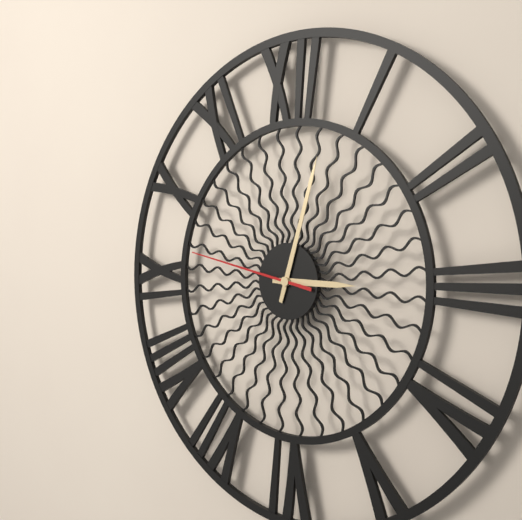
3:03:47
